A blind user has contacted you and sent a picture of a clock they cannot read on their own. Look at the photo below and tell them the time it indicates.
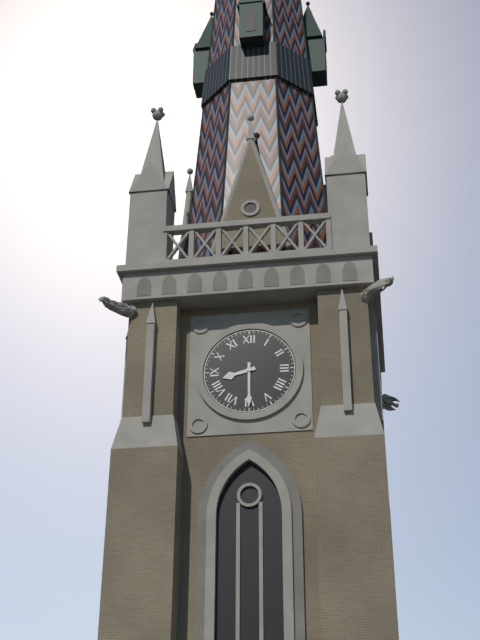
8:30
